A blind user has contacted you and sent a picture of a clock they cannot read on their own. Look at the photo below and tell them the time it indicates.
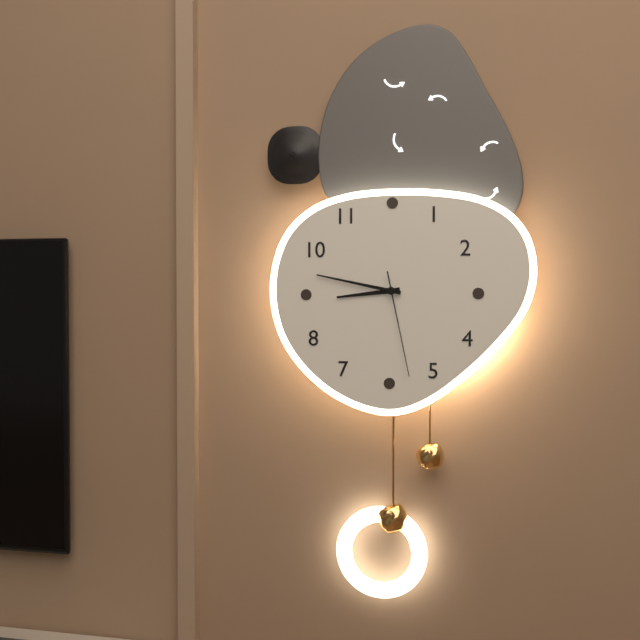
8:47:28
